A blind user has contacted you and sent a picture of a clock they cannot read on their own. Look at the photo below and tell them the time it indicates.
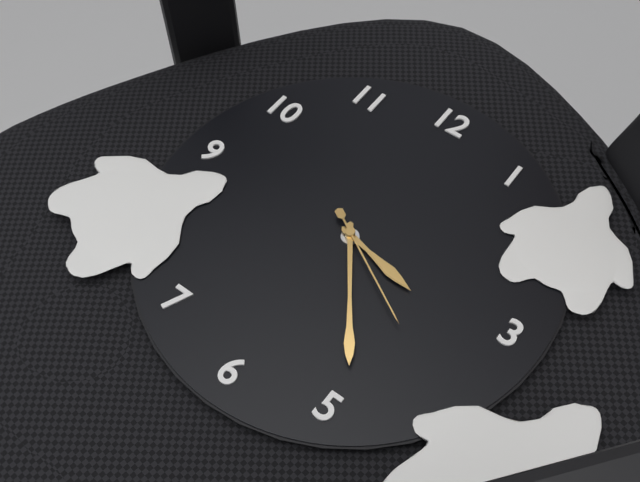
3:24:20
